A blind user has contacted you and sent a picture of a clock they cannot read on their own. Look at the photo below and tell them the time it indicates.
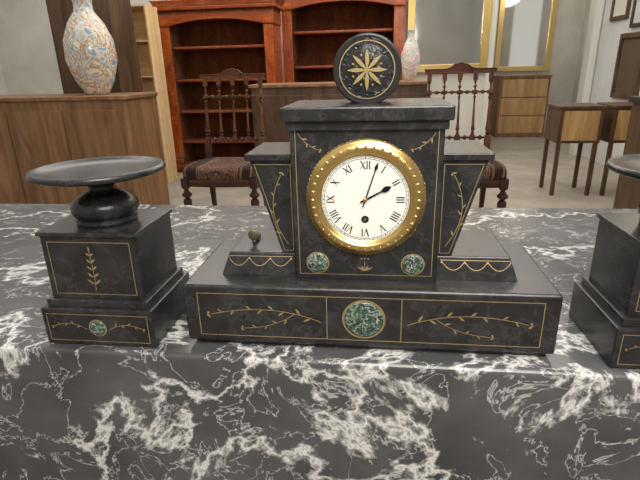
2:03
